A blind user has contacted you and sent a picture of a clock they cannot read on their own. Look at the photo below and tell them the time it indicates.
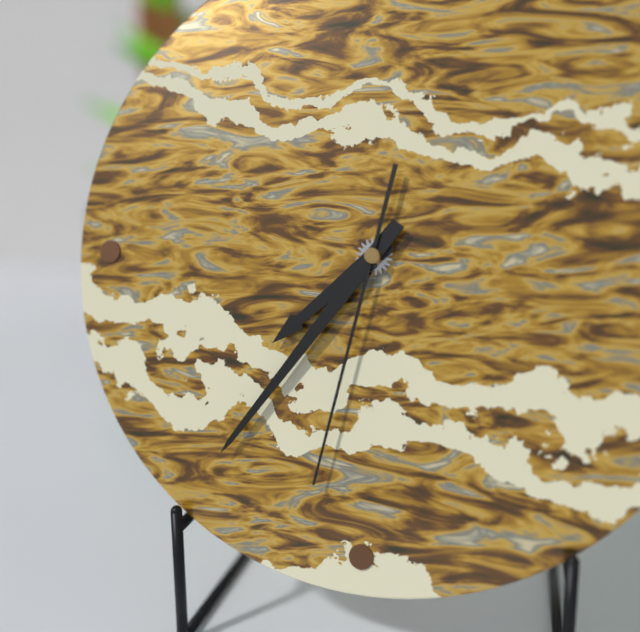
7:36:32
